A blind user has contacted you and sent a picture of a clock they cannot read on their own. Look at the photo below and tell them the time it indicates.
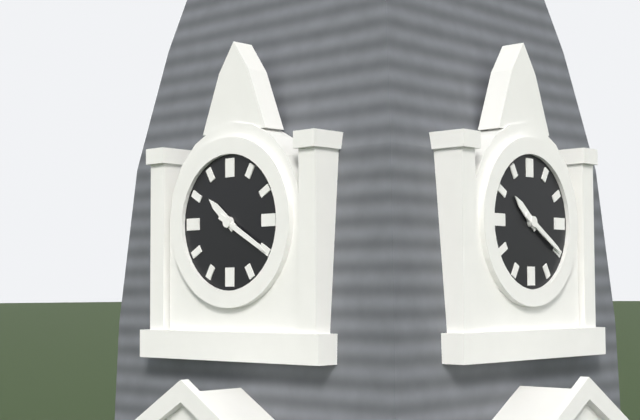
10:20
